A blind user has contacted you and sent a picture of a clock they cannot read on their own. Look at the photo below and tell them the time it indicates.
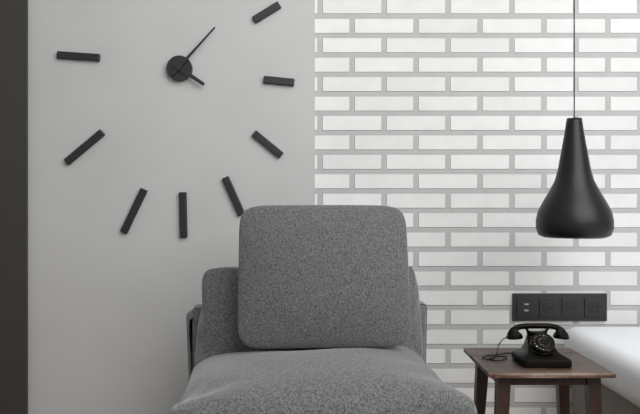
4:07
